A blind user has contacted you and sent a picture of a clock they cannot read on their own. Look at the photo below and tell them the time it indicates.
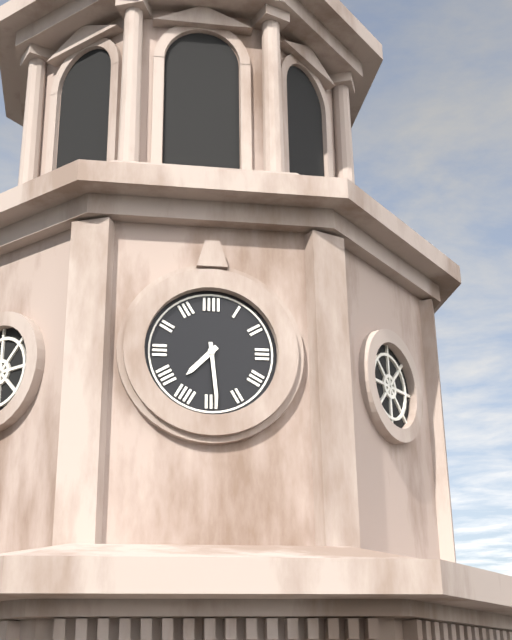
7:29
